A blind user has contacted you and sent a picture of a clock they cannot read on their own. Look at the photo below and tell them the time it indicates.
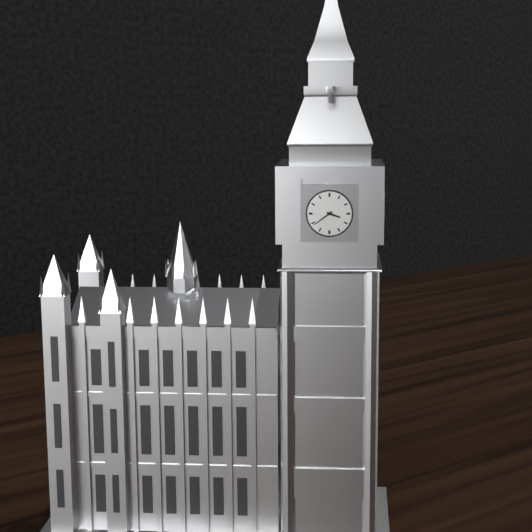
3:39
